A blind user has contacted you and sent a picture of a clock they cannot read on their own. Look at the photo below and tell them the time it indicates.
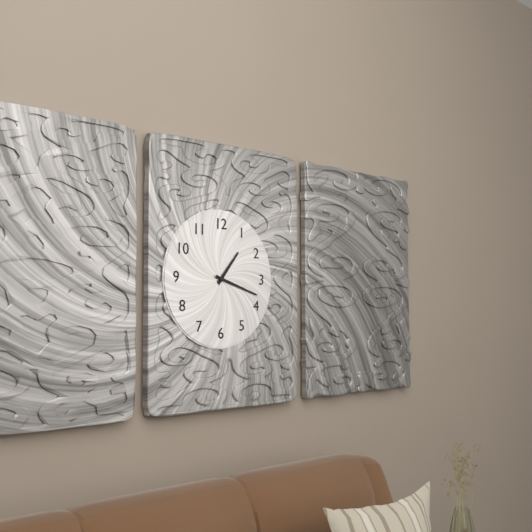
1:18
